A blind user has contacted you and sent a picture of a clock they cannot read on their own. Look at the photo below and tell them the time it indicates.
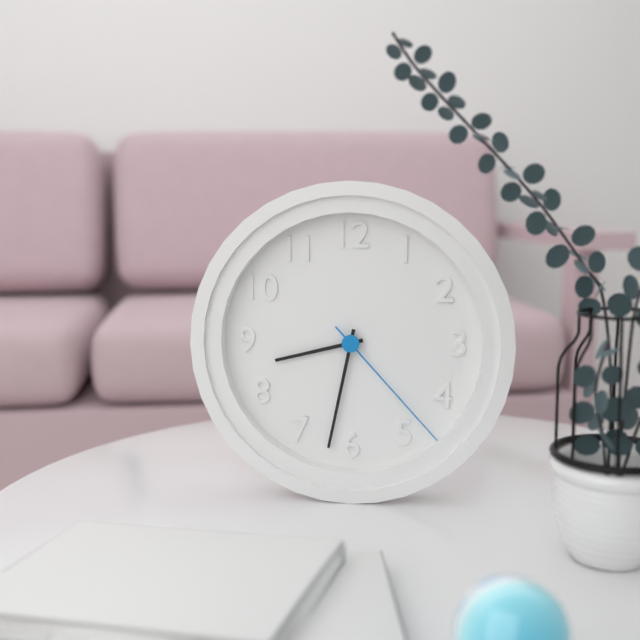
8:32:23
